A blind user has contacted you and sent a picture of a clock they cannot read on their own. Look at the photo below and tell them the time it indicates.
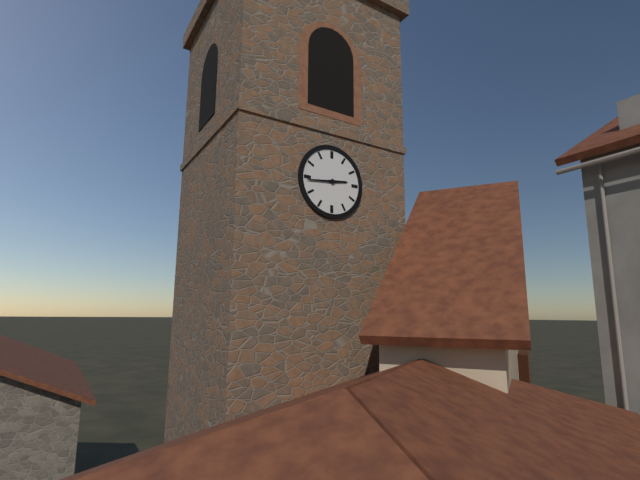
2:44
